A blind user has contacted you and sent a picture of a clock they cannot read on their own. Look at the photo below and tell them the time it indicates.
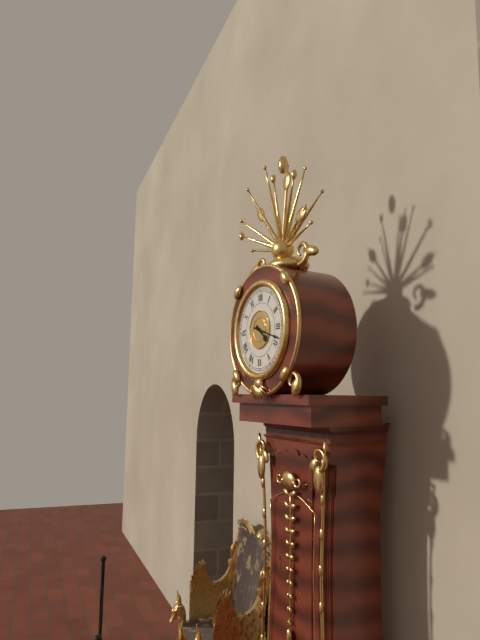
4:18
